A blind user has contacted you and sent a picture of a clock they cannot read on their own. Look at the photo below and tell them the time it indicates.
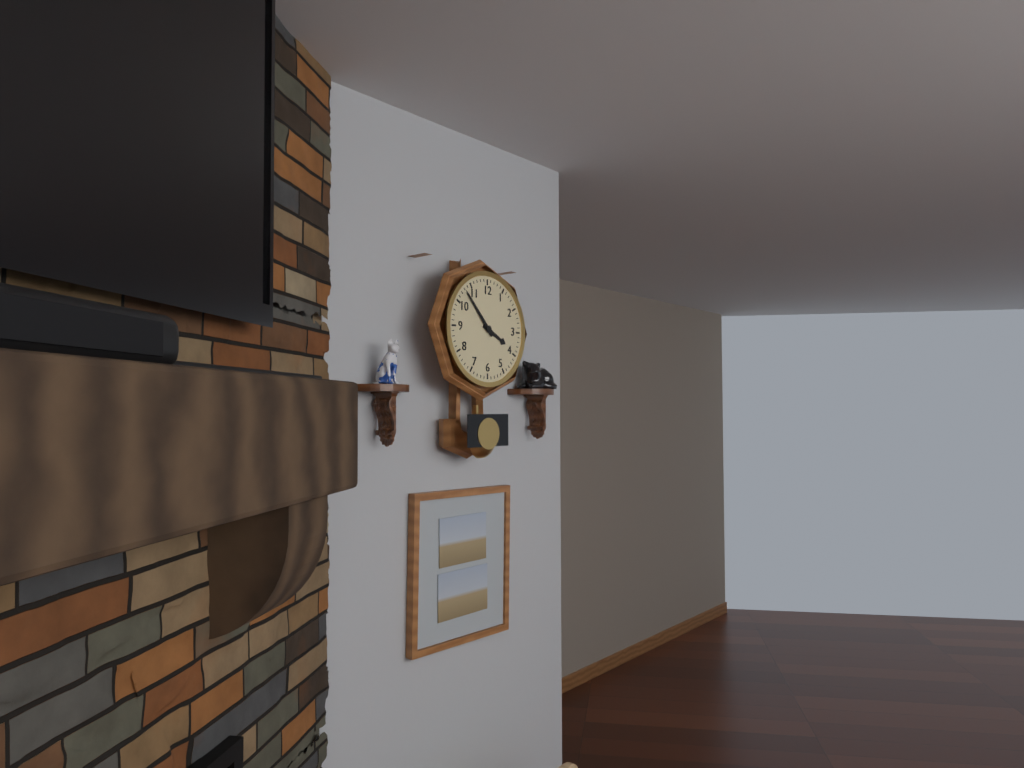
3:53
